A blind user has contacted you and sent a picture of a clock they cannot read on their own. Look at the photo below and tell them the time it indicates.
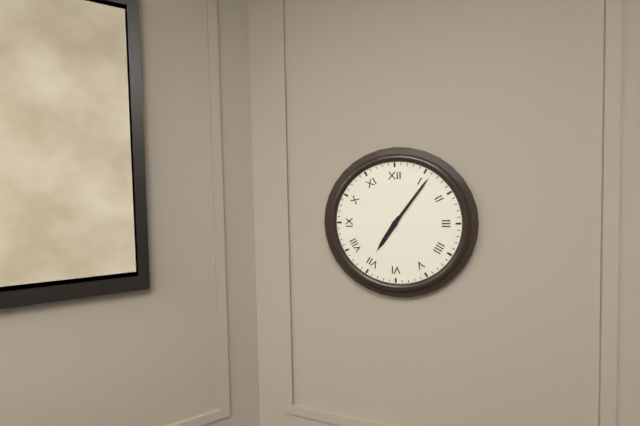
7:06
